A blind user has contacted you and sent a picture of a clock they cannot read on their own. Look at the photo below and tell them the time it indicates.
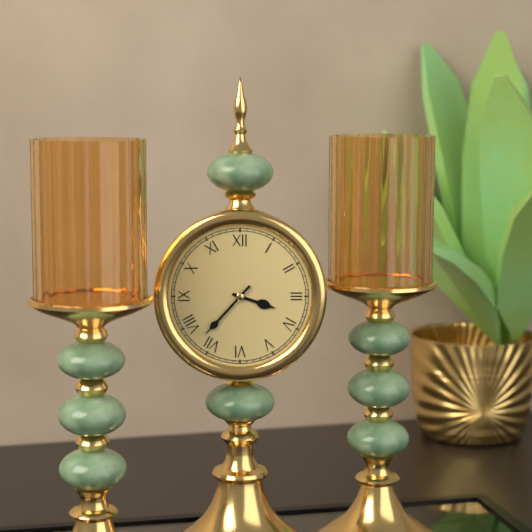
3:37
